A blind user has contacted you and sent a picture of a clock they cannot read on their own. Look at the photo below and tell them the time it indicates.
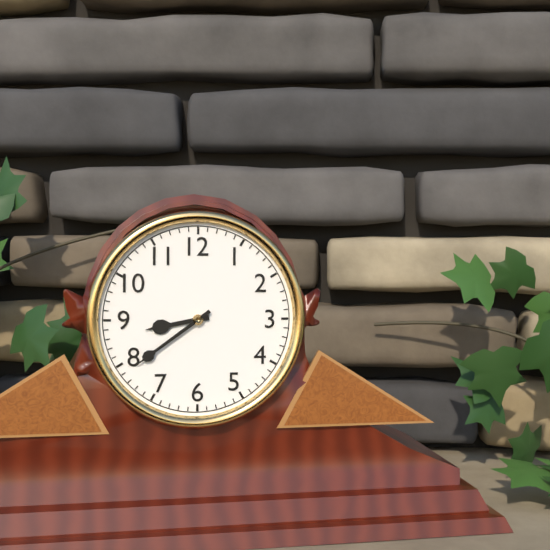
8:39
